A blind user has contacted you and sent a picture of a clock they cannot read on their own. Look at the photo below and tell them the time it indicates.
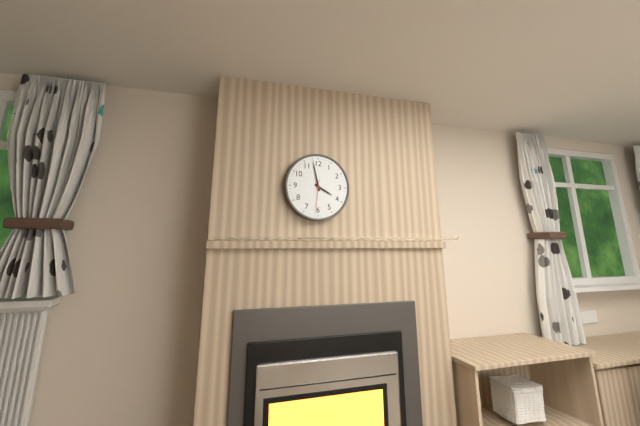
3:58
